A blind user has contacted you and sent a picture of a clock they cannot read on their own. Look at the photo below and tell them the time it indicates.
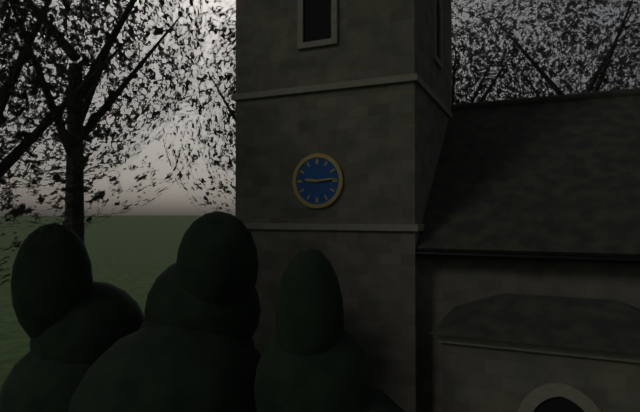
9:14
